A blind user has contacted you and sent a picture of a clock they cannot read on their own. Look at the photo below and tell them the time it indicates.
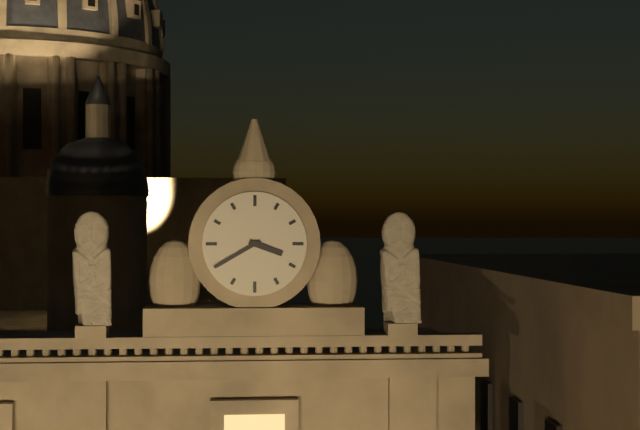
3:40
